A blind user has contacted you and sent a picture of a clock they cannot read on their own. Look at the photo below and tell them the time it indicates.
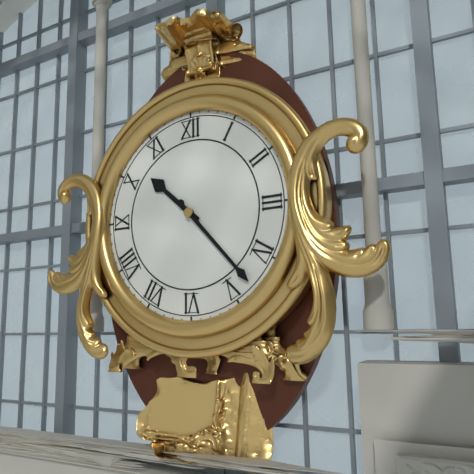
10:23
